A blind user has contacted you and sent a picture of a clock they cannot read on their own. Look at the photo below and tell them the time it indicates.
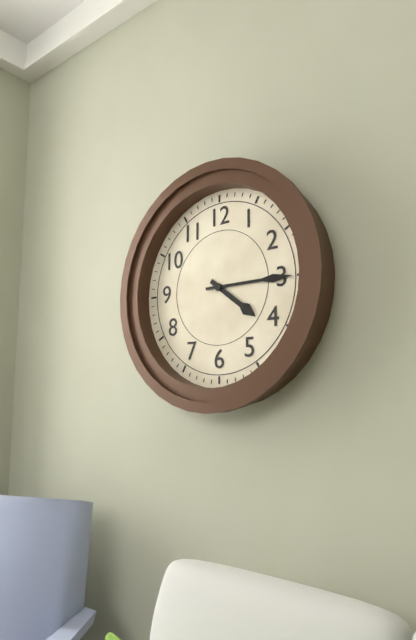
4:15
